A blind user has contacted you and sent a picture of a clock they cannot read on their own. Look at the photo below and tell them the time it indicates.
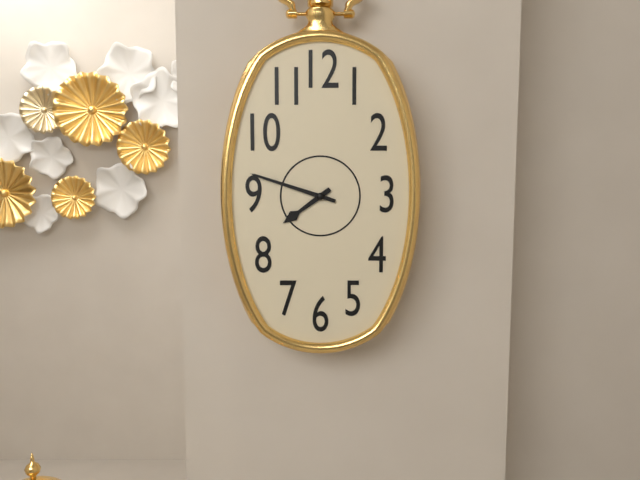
7:48
